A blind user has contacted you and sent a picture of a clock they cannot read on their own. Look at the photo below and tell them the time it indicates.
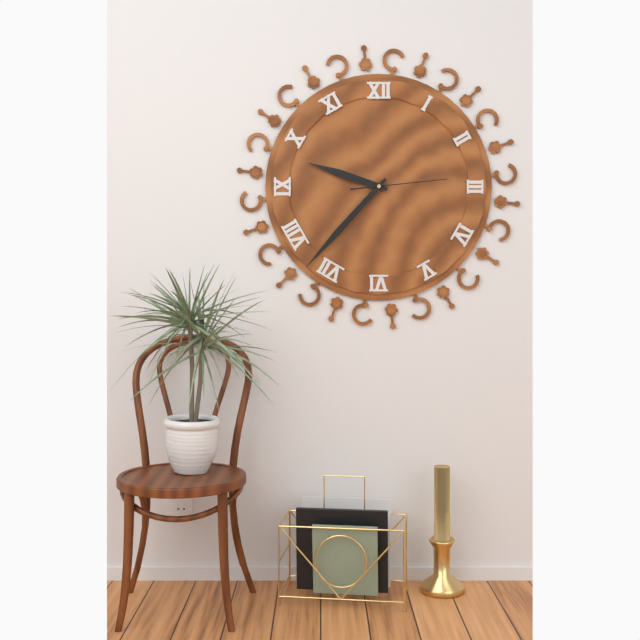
9:37:14
